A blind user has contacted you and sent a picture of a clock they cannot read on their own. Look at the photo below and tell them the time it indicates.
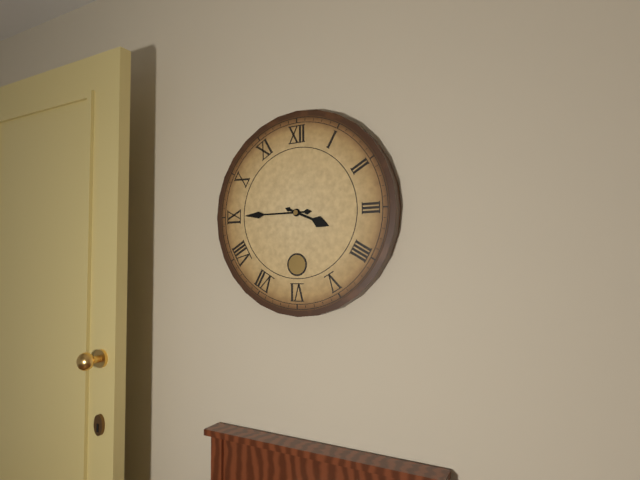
3:45
